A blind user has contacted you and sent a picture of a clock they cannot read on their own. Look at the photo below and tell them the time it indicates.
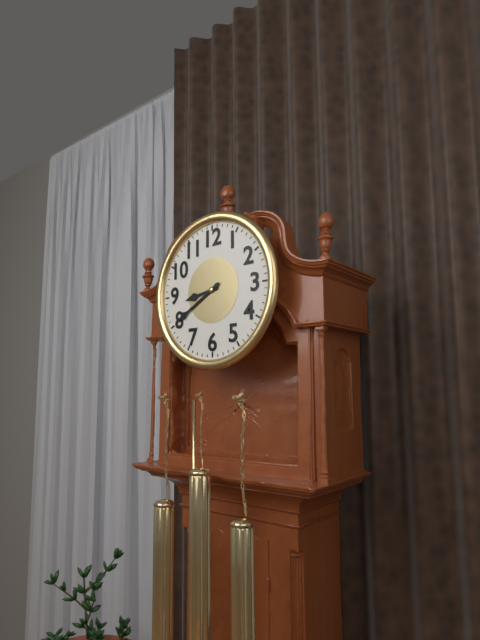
8:40
